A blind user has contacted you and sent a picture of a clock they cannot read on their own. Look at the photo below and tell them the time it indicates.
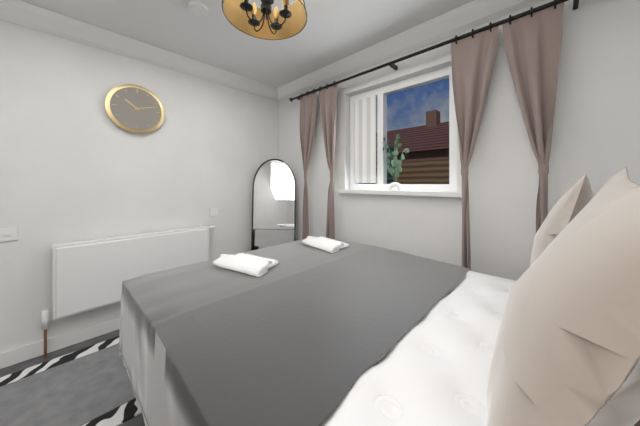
10:12
